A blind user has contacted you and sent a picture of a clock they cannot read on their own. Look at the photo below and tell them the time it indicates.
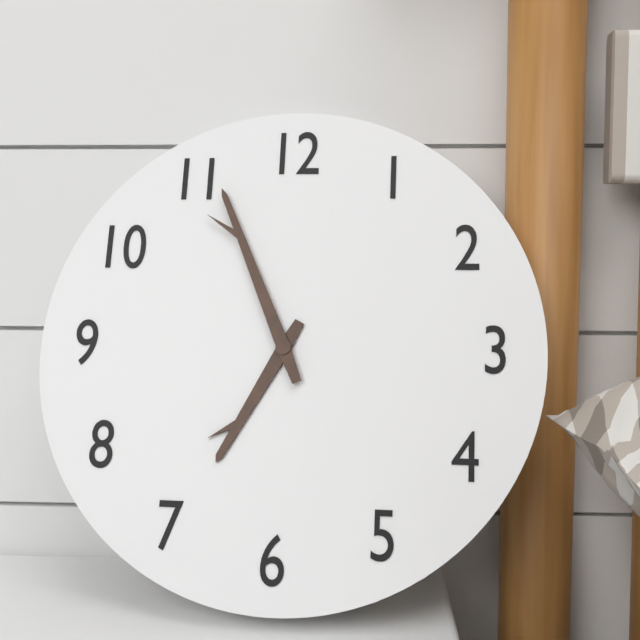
6:56
